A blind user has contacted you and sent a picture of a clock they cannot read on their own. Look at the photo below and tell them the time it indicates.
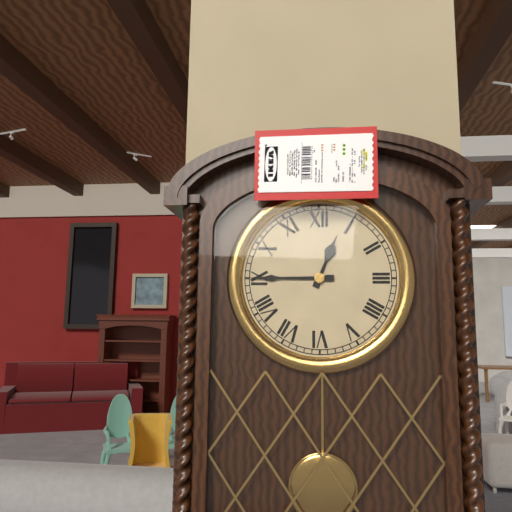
12:45
